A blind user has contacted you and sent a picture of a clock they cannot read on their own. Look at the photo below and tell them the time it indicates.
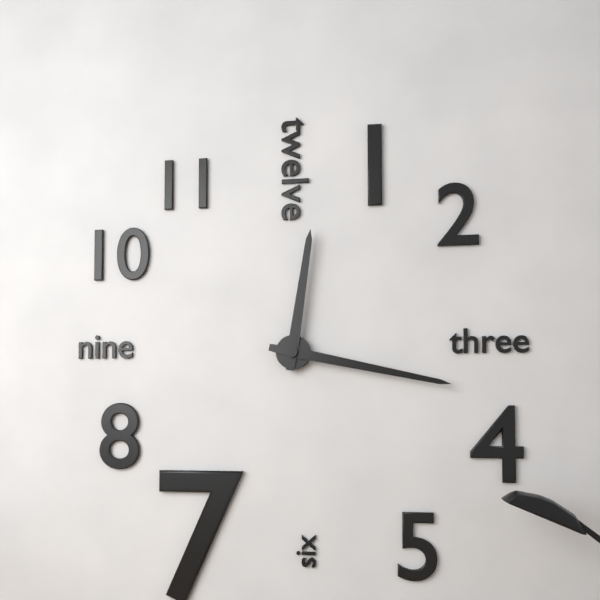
12:17
